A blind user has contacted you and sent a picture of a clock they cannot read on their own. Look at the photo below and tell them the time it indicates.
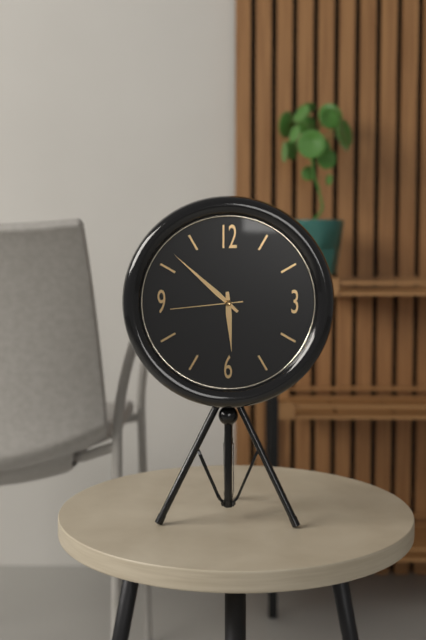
5:52:44
